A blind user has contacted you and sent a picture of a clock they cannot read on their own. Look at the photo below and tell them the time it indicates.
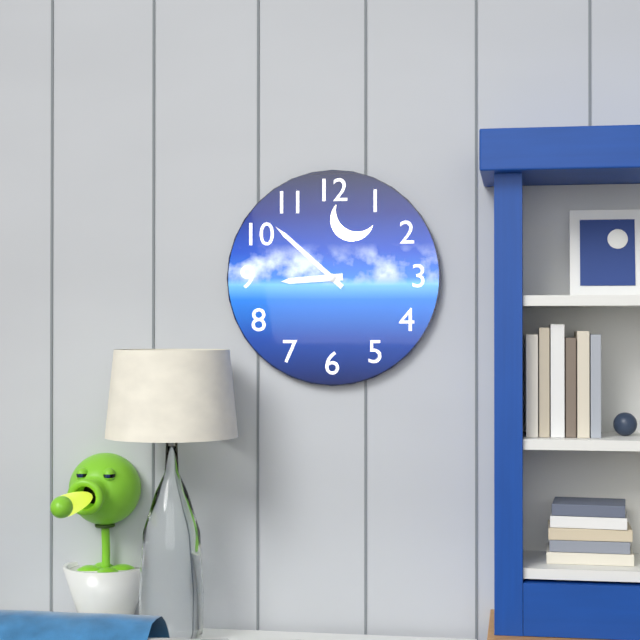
8:52
